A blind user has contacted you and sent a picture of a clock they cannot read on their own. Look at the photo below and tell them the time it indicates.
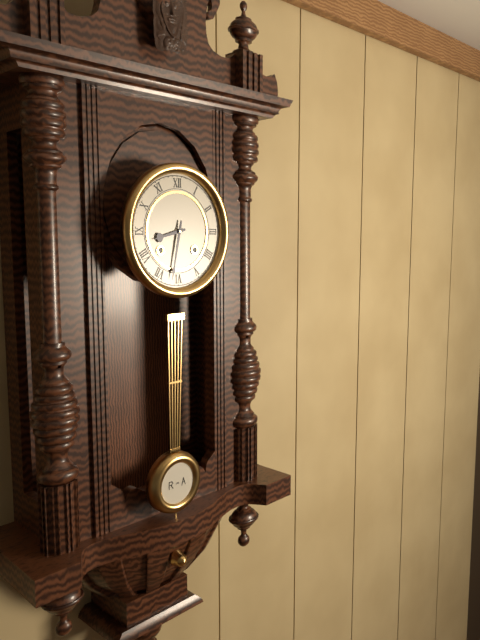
8:32
